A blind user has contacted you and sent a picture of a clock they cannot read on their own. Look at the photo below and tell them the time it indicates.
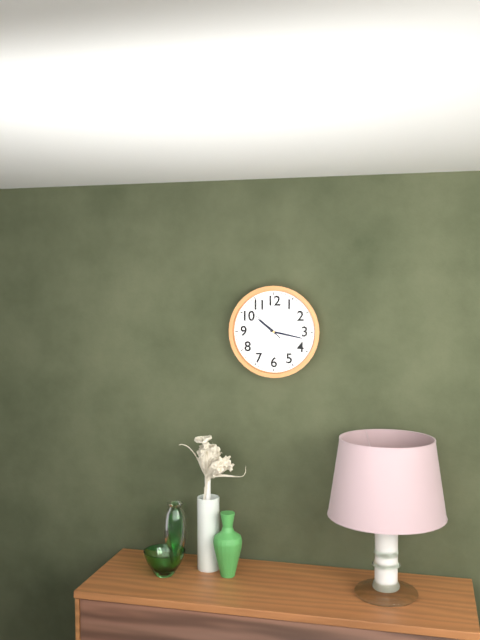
10:17
